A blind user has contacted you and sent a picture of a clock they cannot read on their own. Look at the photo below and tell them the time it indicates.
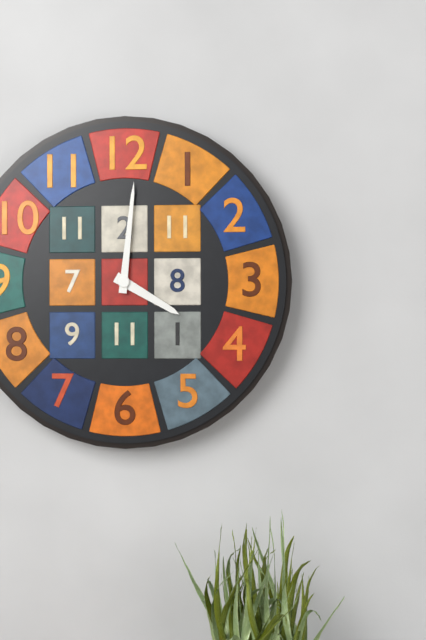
4:01
